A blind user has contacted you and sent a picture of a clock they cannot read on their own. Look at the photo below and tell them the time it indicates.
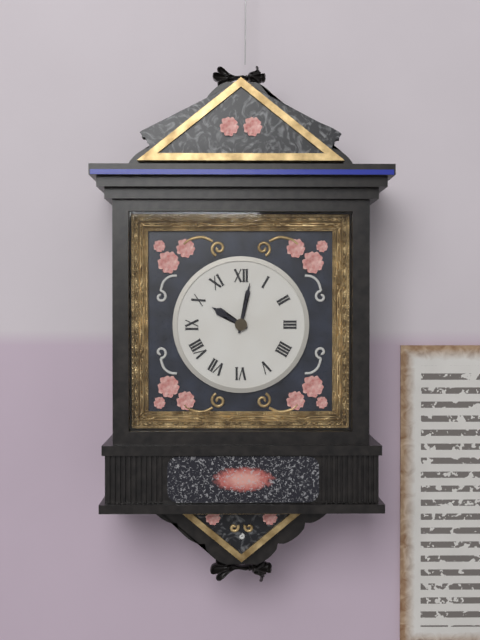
10:02
